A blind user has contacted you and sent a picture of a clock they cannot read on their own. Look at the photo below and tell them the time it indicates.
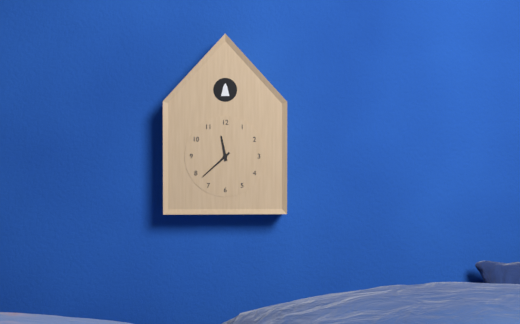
11:38
